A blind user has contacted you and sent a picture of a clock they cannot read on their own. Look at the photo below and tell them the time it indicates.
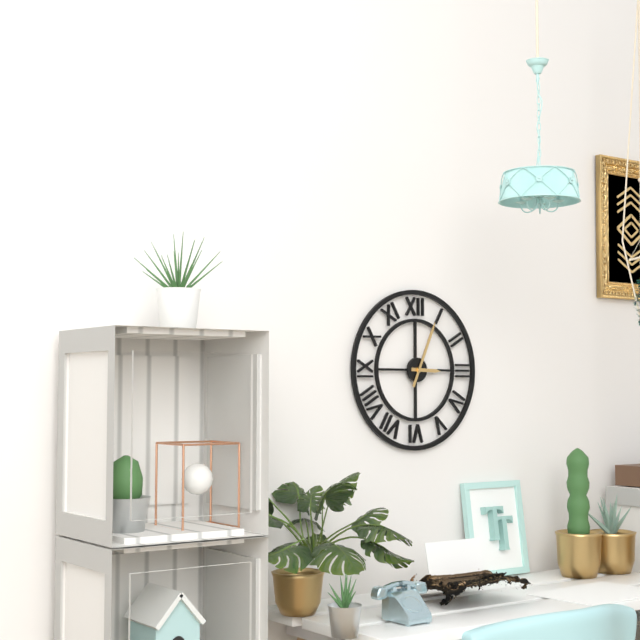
3:04
